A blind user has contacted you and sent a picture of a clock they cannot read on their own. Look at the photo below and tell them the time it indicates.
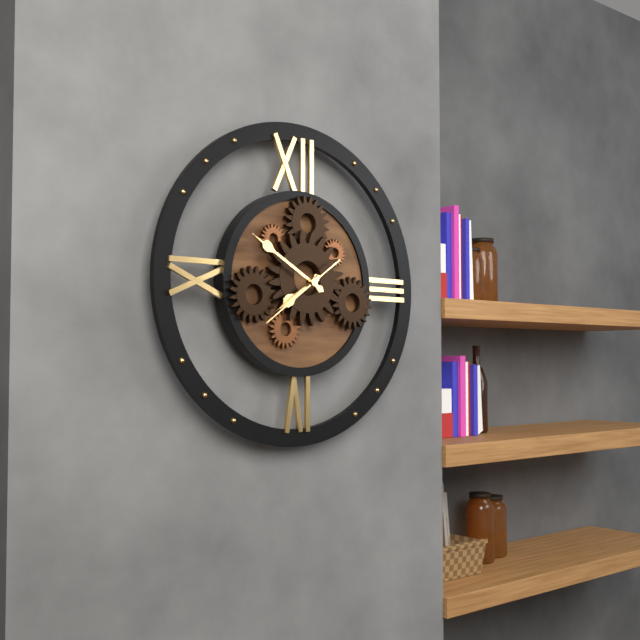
7:50:39
